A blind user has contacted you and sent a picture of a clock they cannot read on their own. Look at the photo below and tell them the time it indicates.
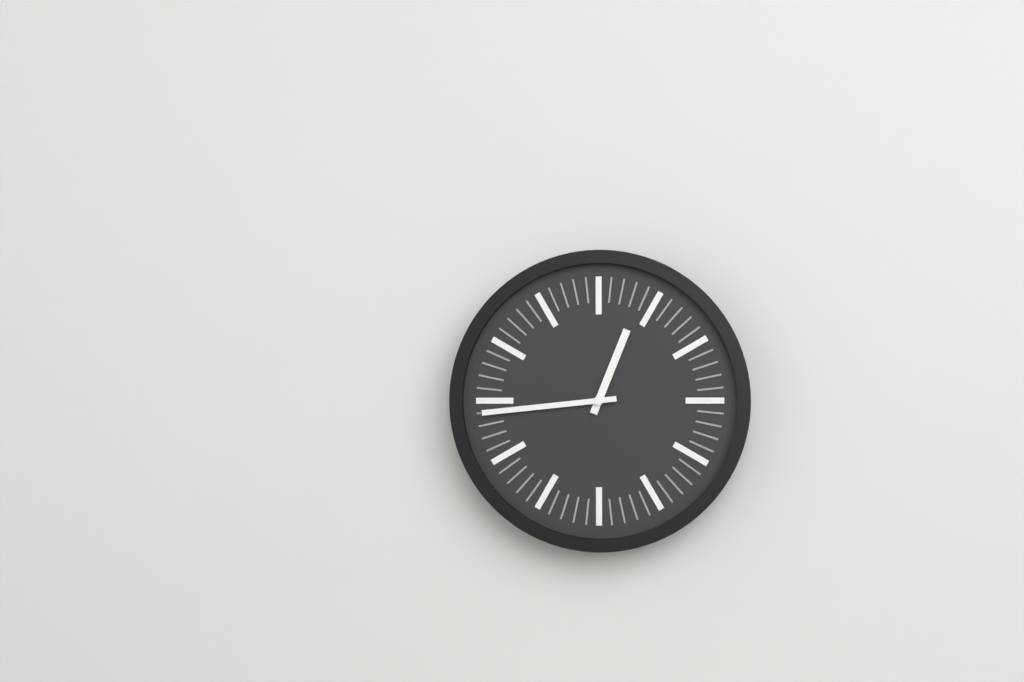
12:44
